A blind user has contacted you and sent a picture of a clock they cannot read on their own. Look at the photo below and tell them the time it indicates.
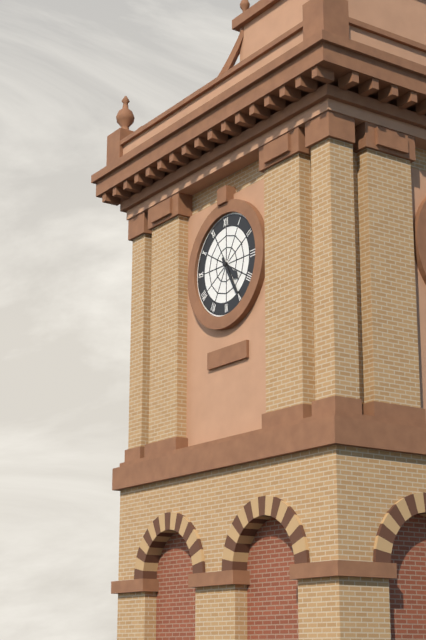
4:25
